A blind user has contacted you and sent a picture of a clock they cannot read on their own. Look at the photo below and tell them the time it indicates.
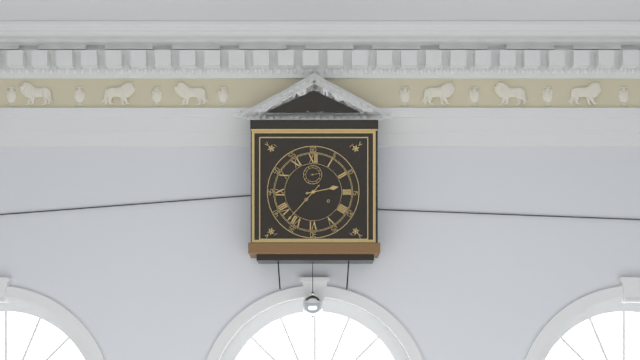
2:37
